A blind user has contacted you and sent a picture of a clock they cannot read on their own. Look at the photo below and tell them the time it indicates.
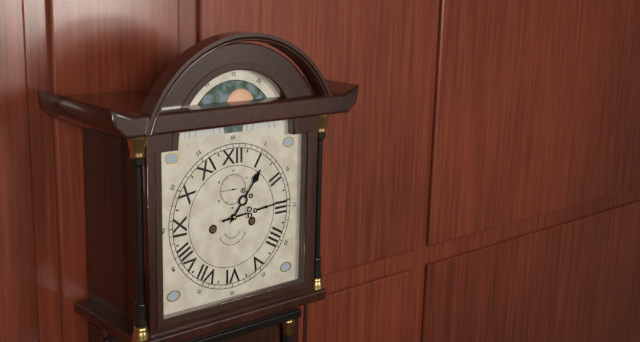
1:14
